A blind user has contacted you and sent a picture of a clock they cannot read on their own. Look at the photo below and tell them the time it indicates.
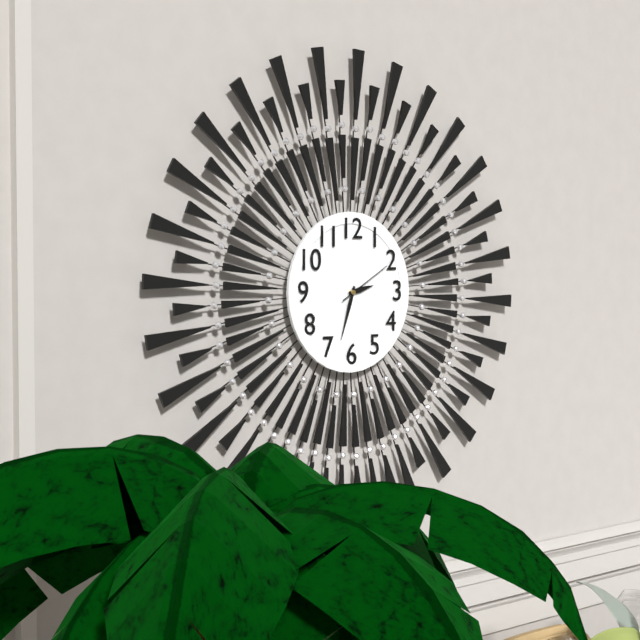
2:33:10
